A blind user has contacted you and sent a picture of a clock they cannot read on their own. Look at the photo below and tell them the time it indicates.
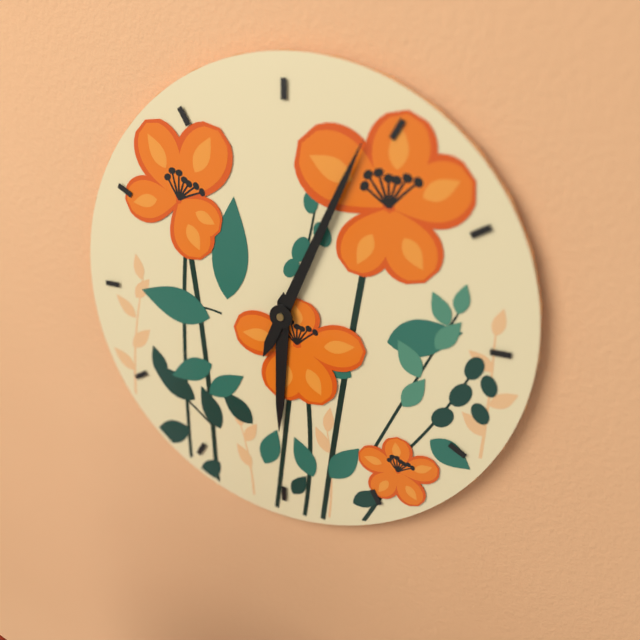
6:04
